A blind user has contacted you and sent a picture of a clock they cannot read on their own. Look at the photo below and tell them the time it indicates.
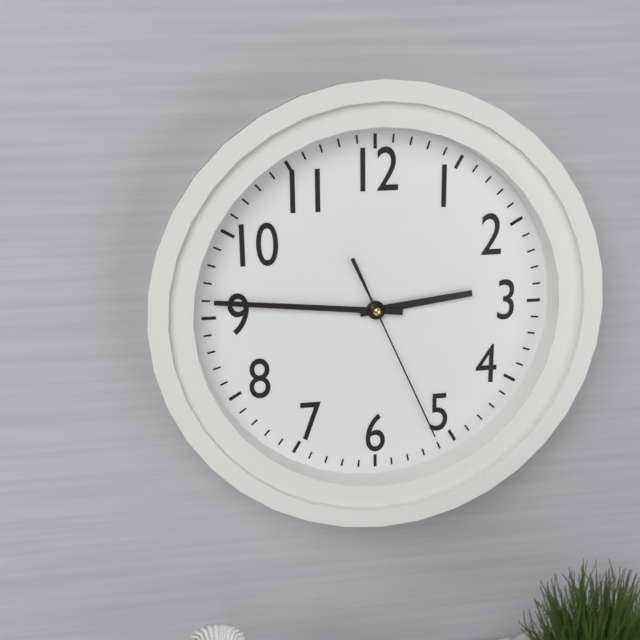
2:46:26
